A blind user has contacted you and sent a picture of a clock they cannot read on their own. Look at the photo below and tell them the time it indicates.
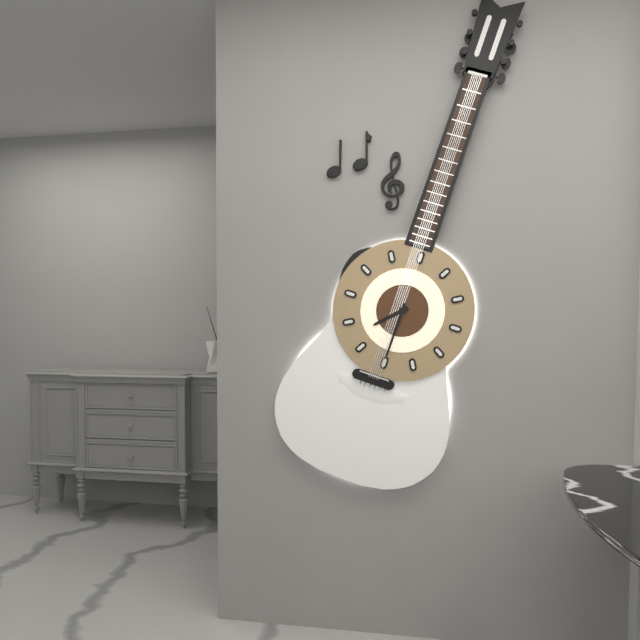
7:30
